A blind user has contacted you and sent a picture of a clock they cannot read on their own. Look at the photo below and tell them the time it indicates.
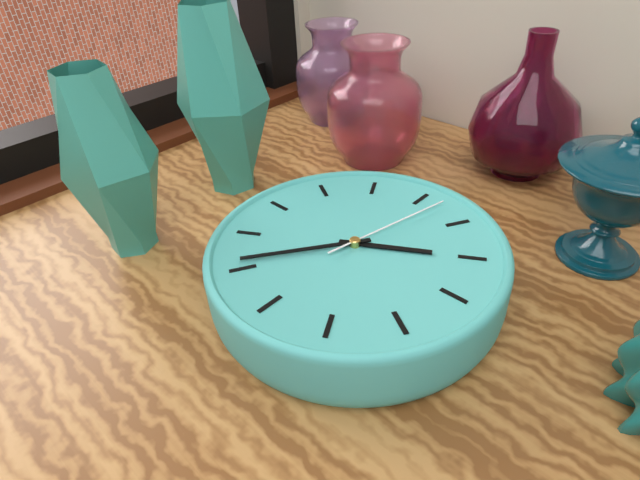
7:01:27
